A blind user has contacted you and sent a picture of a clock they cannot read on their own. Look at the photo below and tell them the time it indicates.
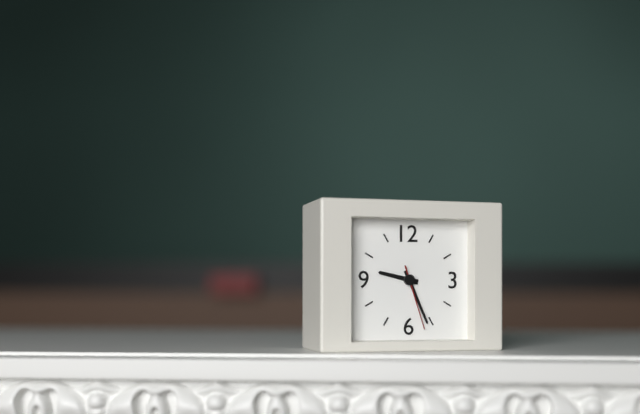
9:26:27
